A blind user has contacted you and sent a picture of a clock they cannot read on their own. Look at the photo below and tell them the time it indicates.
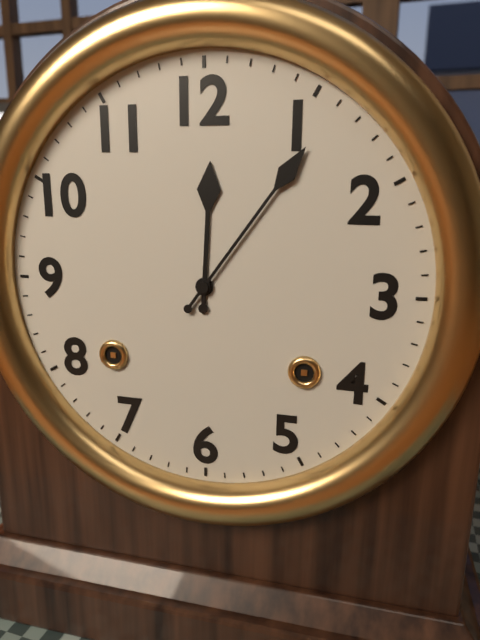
12:06
